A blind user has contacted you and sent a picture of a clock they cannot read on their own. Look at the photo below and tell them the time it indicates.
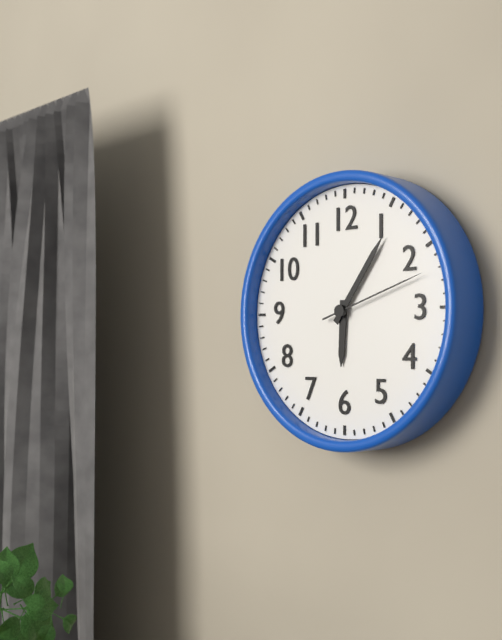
6:06:12
